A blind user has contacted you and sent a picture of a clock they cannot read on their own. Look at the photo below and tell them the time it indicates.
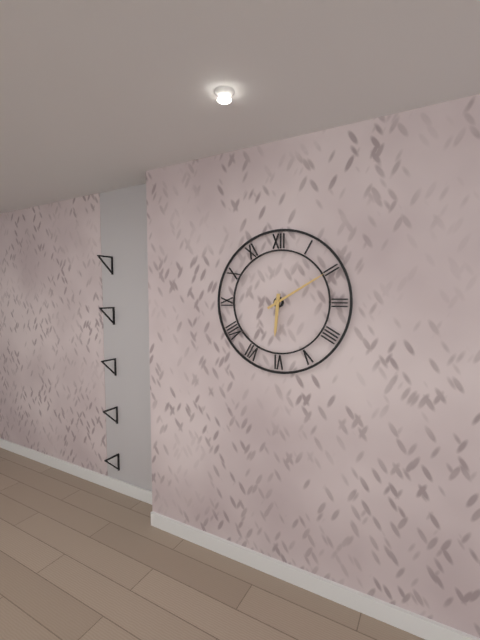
6:10
